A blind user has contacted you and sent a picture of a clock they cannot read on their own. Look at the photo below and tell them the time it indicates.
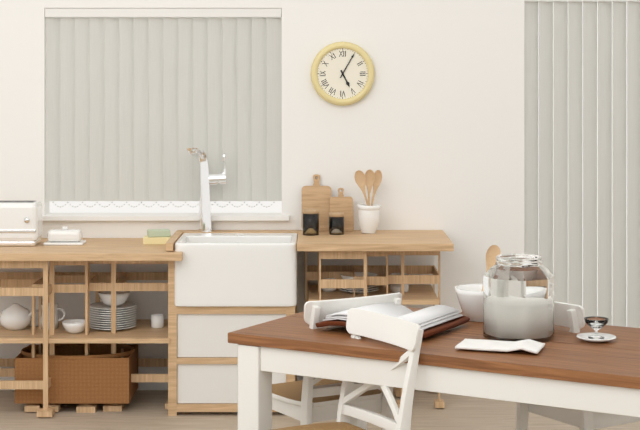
5:05
